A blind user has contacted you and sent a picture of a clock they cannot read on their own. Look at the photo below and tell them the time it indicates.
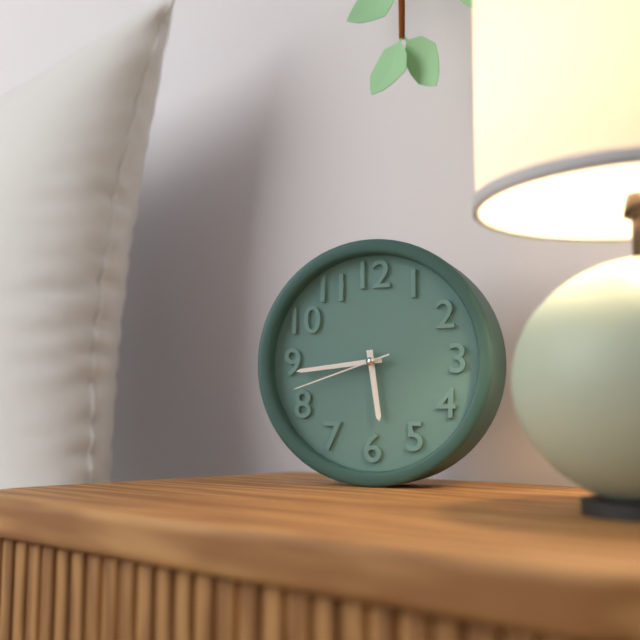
5:44:42
